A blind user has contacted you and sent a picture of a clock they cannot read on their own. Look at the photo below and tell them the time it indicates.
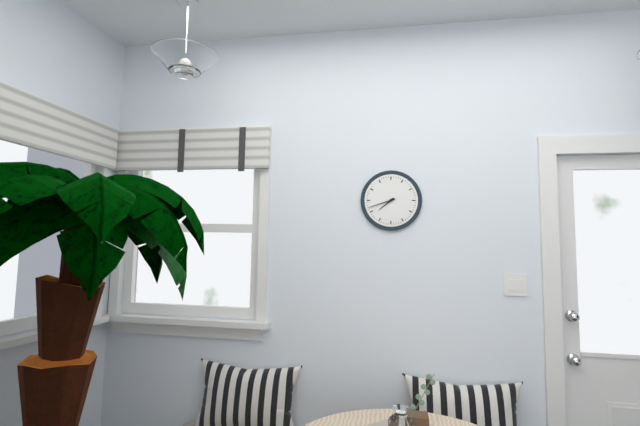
7:42
